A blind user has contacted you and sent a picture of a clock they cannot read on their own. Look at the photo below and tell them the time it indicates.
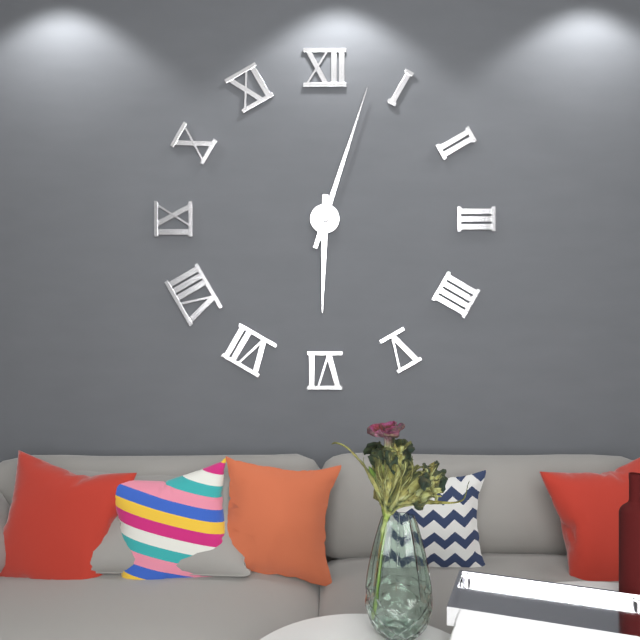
6:03
